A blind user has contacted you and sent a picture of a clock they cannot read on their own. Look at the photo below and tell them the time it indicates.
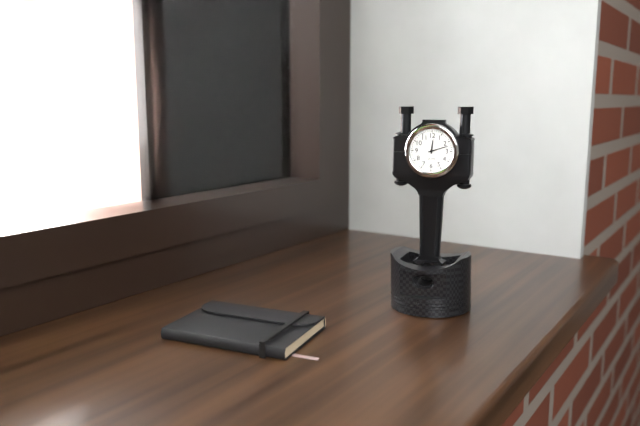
12:12
